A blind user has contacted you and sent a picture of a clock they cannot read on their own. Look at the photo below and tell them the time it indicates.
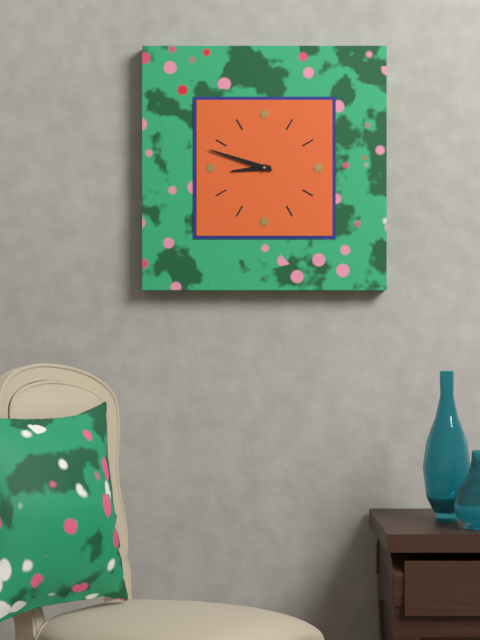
8:48
